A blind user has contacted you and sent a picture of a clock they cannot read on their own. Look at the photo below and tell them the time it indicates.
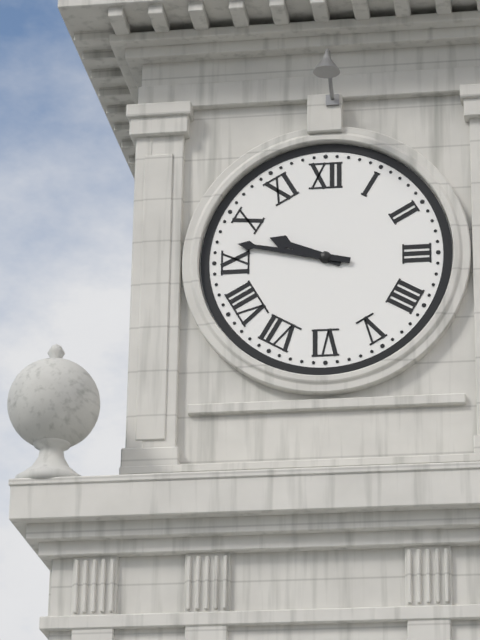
9:47
